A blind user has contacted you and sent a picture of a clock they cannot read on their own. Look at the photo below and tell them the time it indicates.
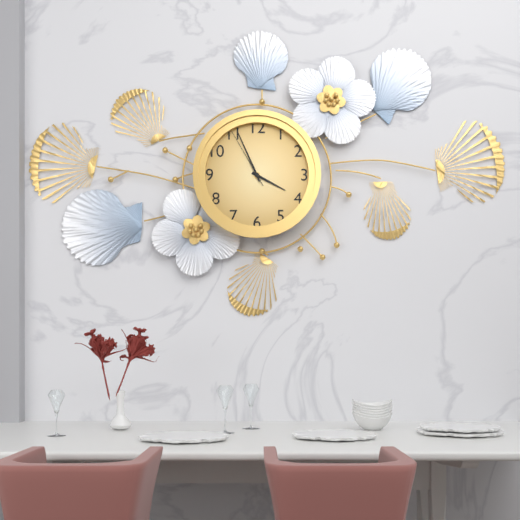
3:56:55
